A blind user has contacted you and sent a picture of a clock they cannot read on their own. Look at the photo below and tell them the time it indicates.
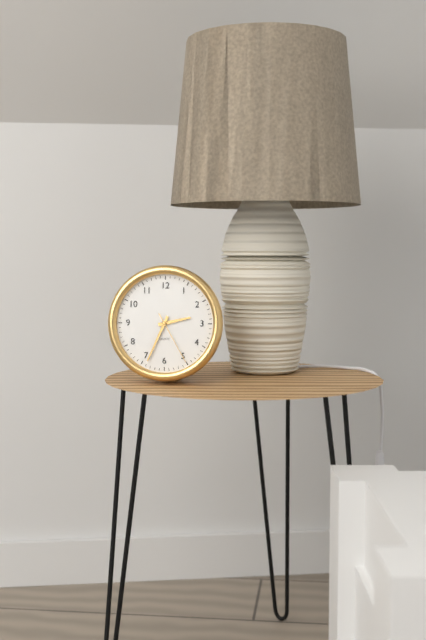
2:34:25
